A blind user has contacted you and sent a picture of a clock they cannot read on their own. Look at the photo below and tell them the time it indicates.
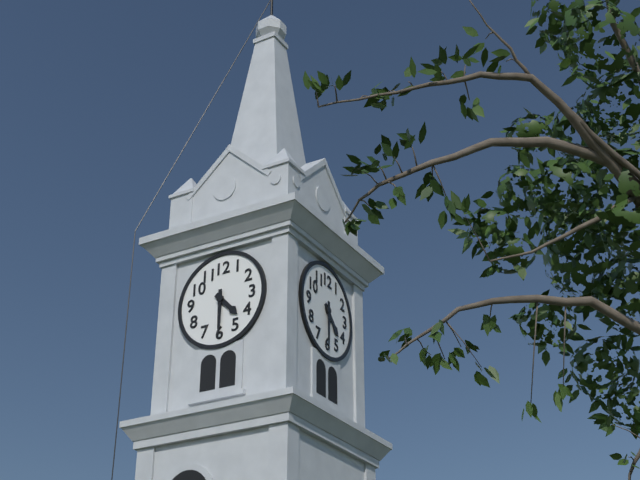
4:30
